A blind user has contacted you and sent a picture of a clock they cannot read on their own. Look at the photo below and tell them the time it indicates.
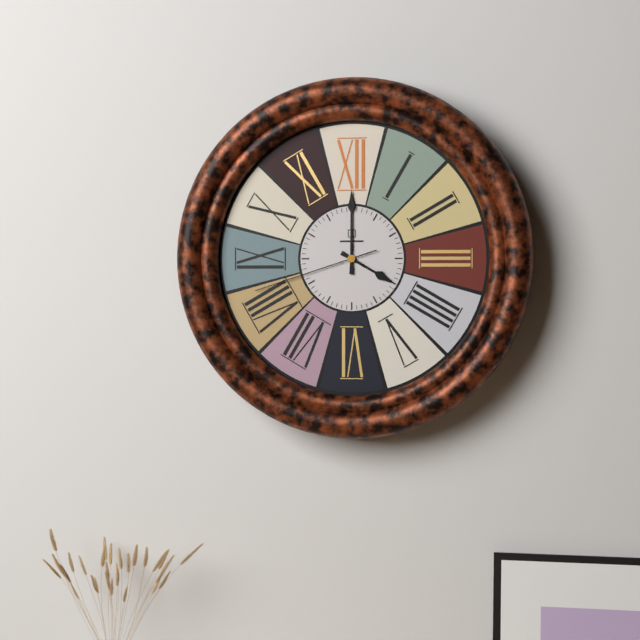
4:00:42
